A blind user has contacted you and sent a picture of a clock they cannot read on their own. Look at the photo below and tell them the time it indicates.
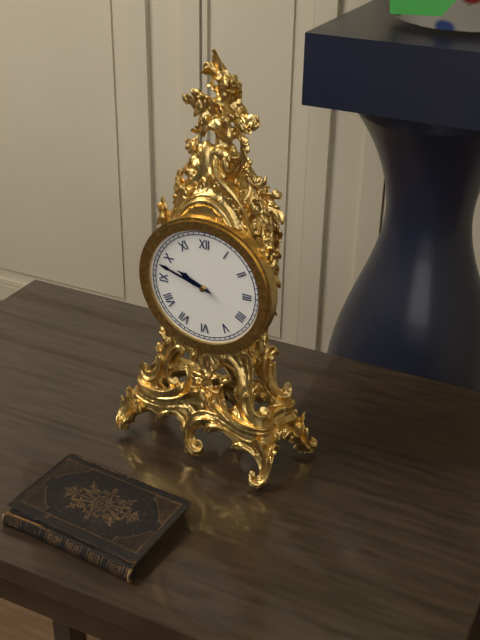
9:48
